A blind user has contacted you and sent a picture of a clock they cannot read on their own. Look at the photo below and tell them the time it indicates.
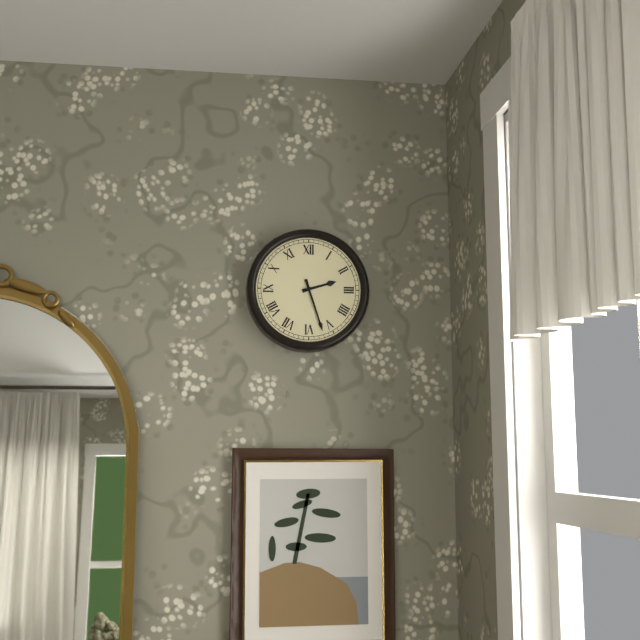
2:27
